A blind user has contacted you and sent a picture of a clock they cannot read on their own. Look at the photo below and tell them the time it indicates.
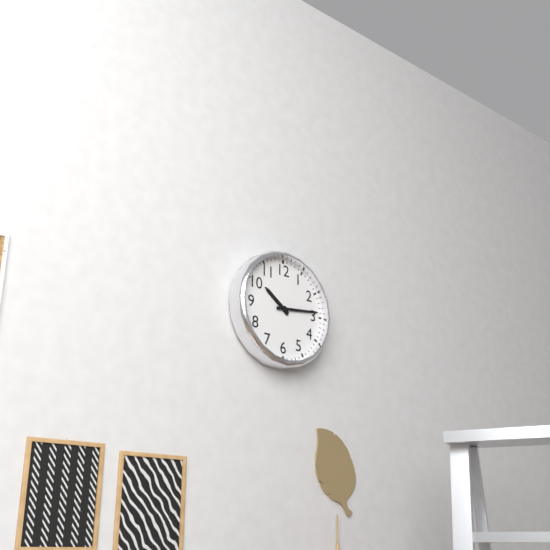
10:14
